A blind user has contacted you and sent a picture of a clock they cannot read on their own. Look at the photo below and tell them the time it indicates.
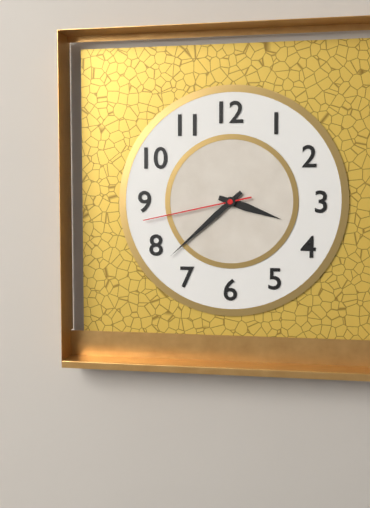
3:38:43
